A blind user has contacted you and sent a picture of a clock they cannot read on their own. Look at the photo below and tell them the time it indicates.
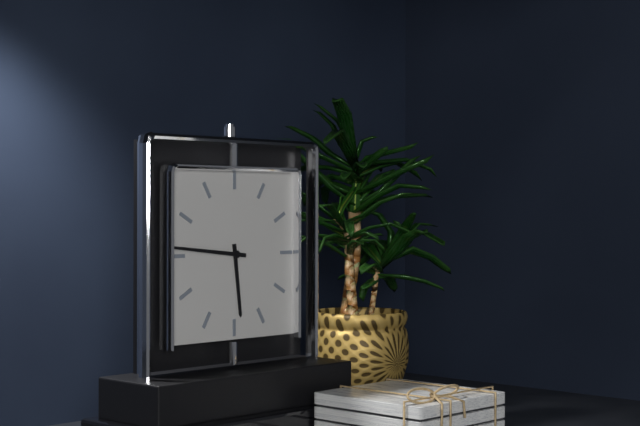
5:46
